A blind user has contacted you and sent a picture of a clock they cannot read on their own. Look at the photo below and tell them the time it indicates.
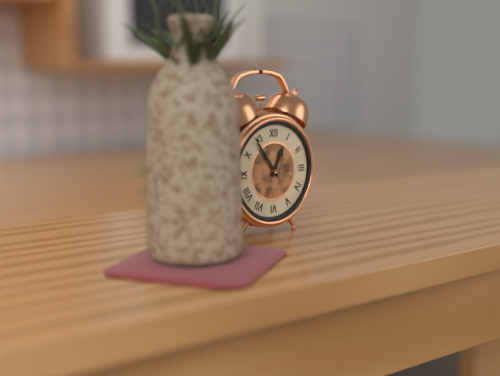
12:54
